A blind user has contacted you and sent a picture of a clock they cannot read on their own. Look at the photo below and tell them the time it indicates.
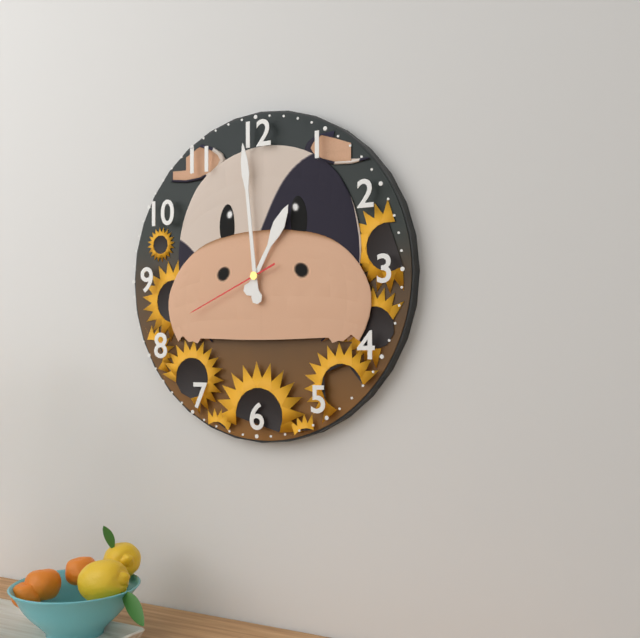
12:59:41
